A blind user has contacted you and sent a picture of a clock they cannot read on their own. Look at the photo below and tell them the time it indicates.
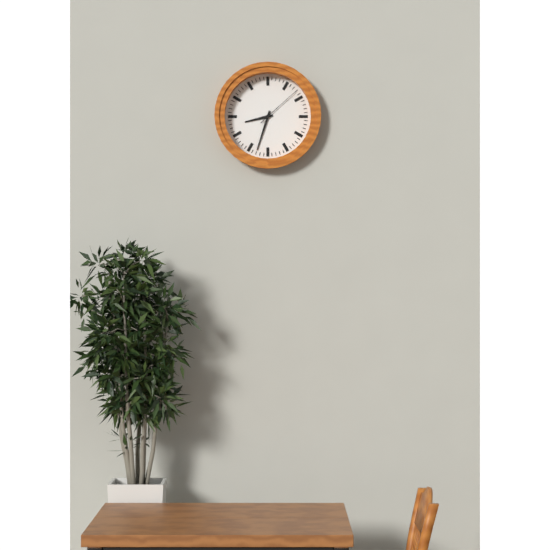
8:33
